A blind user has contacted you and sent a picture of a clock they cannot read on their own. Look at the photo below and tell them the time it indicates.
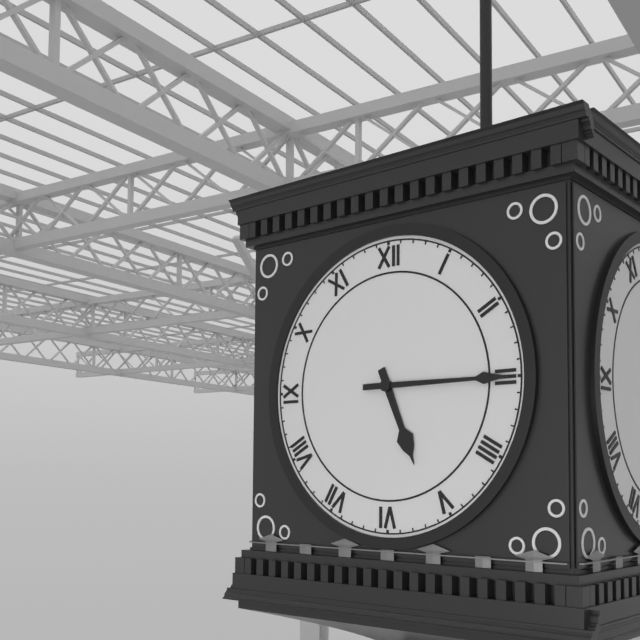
5:15
